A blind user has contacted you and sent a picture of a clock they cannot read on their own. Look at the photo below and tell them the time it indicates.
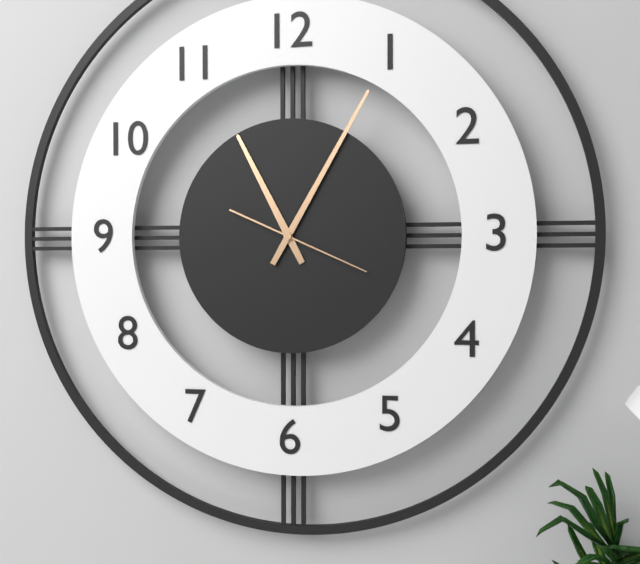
11:05:19
